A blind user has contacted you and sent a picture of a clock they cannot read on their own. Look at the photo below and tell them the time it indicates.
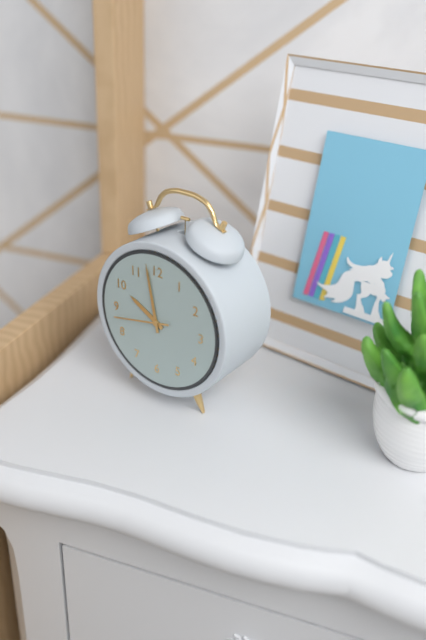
9:58:43
